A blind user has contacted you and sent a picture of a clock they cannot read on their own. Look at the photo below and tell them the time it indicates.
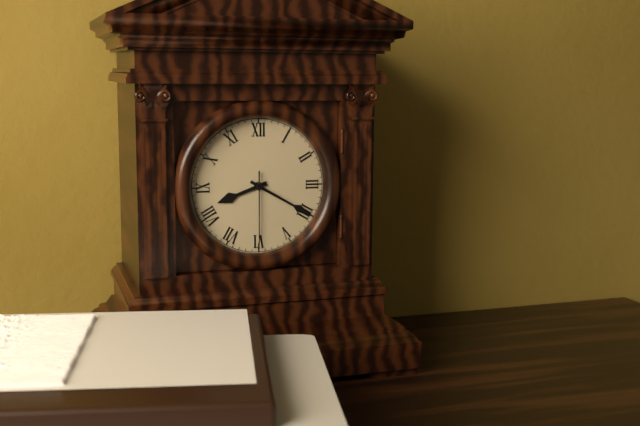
8:20:30
